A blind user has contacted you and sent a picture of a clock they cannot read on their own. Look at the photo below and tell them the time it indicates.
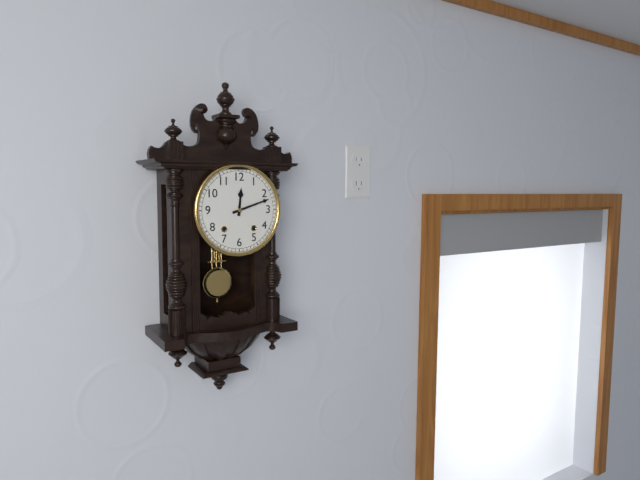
12:12
